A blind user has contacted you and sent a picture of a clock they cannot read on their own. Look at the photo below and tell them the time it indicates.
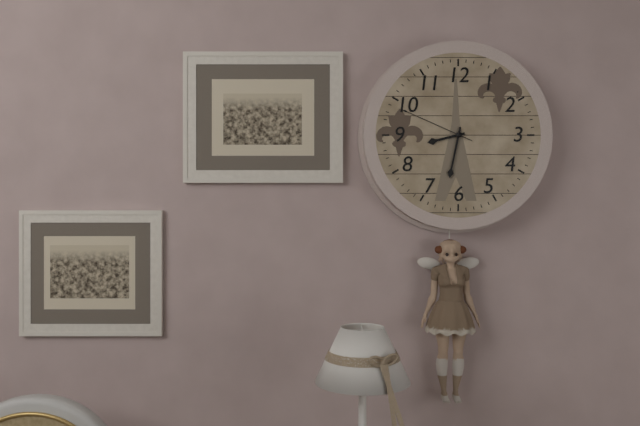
8:32:49
